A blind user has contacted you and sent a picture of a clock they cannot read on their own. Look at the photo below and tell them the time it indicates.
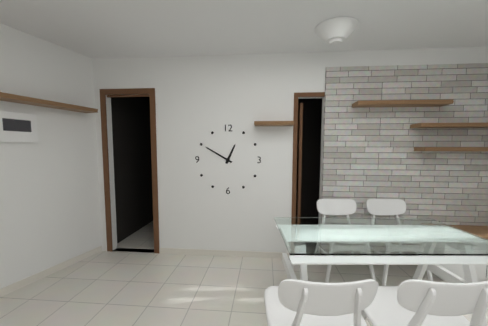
12:50
